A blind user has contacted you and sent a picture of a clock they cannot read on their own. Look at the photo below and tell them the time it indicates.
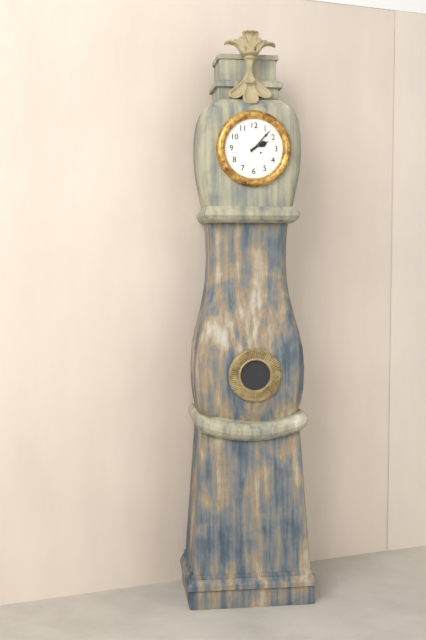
2:07
